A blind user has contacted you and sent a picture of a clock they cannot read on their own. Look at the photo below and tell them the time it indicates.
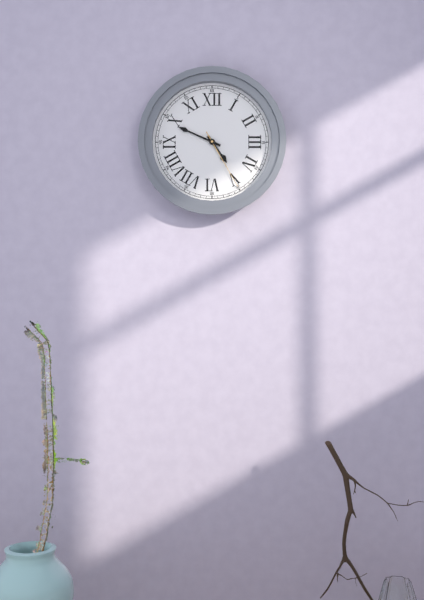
4:49:25
